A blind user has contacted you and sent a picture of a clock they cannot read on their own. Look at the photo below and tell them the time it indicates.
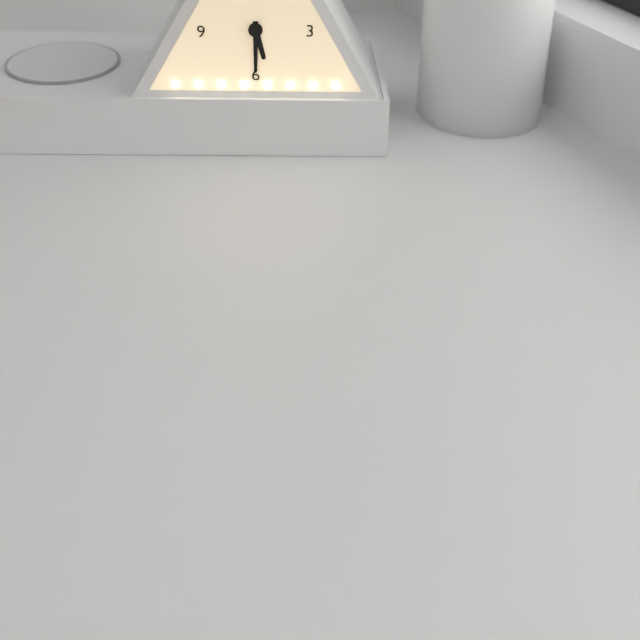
5:30
